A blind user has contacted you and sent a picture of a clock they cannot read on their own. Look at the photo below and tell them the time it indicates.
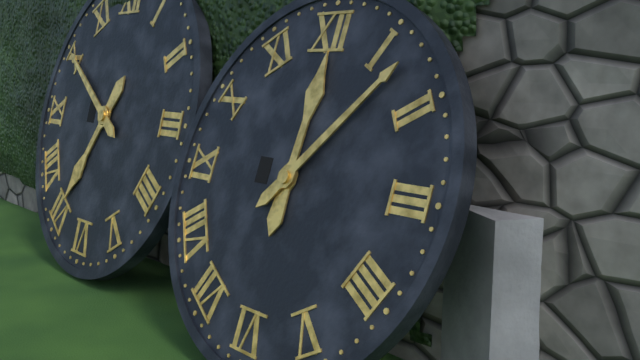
12:07
